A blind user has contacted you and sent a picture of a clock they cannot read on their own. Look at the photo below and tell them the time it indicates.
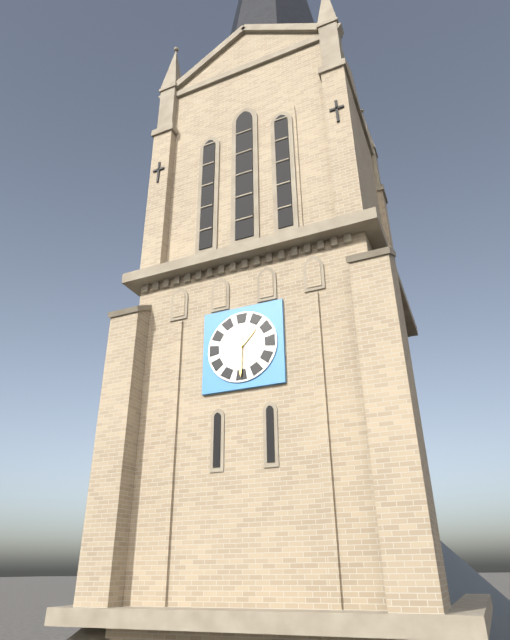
1:30
